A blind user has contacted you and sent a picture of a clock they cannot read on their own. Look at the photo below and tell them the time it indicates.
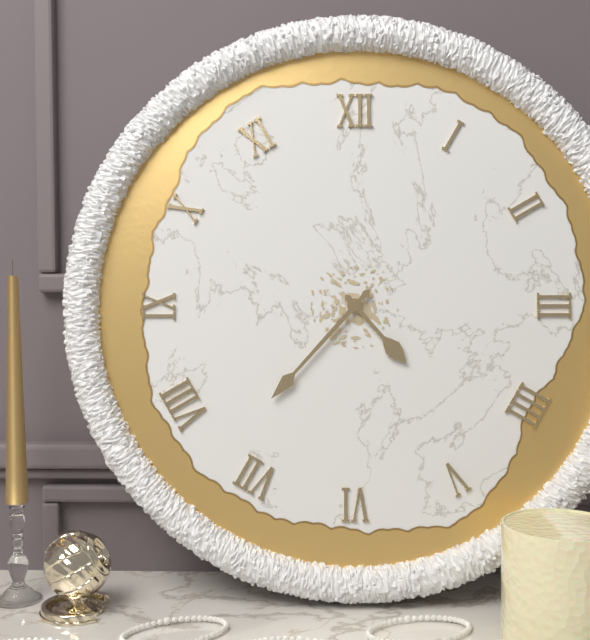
4:37
